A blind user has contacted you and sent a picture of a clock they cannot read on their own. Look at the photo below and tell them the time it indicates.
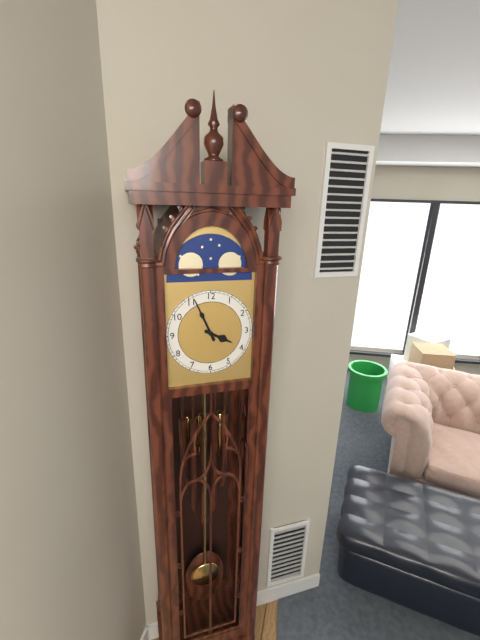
3:56
